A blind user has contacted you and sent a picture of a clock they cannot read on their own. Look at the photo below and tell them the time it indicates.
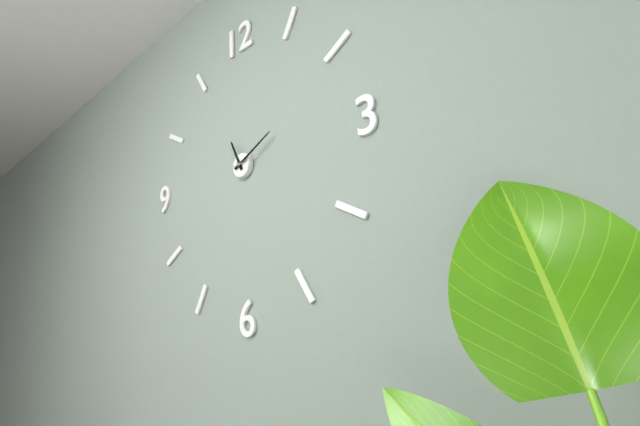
11:11
